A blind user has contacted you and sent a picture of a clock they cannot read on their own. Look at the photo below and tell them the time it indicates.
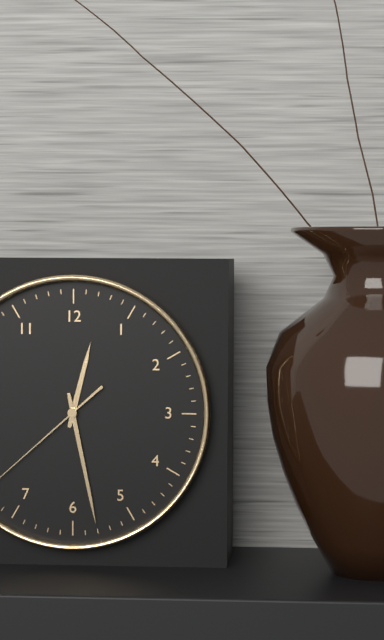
12:28
